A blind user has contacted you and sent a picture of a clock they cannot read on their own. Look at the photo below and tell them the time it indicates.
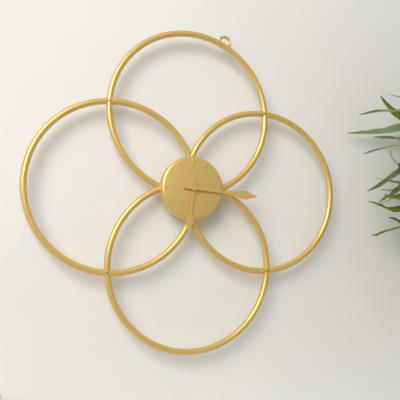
6:16
